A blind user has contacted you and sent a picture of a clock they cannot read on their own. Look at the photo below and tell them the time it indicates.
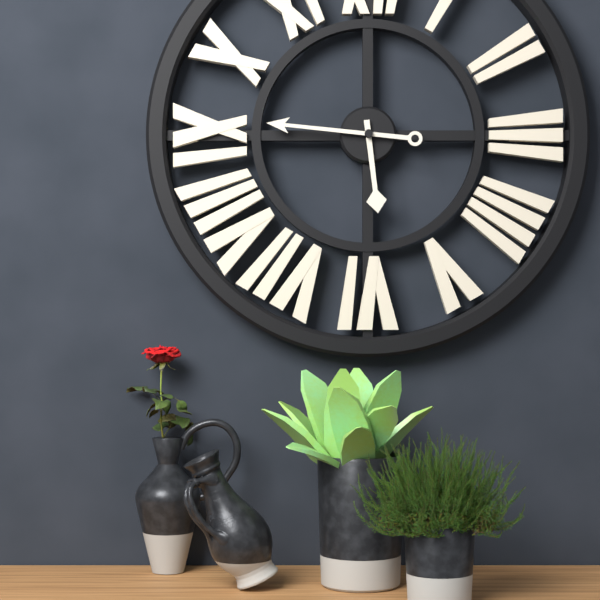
5:46
